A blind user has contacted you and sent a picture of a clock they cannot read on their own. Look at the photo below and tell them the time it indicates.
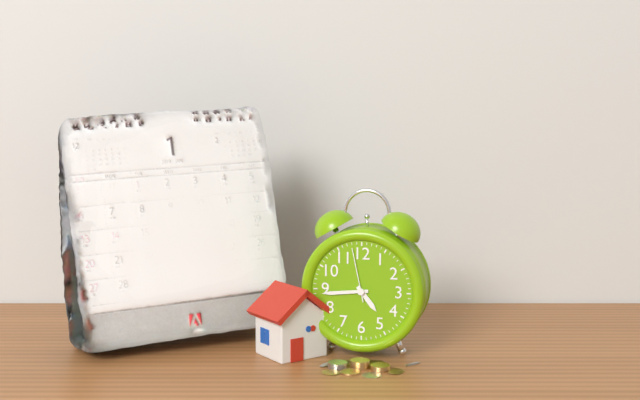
4:44:58
